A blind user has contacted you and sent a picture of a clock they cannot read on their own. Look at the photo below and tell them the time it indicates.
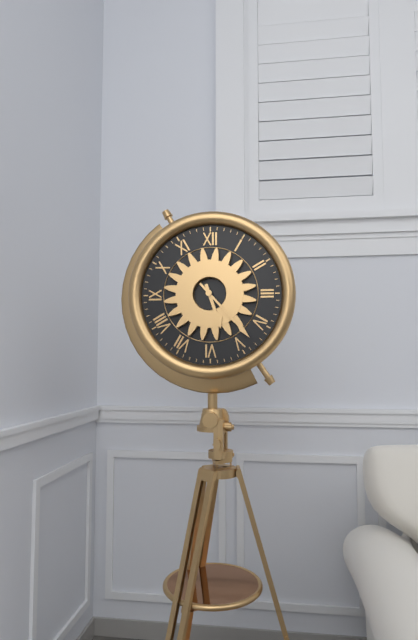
5:23
